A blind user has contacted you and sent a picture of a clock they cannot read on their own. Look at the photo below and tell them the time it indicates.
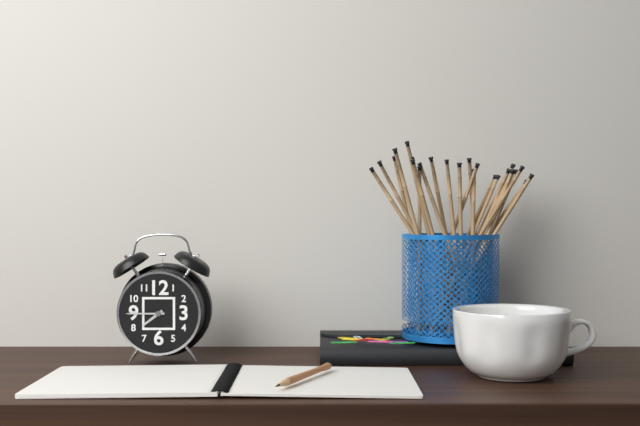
7:45
